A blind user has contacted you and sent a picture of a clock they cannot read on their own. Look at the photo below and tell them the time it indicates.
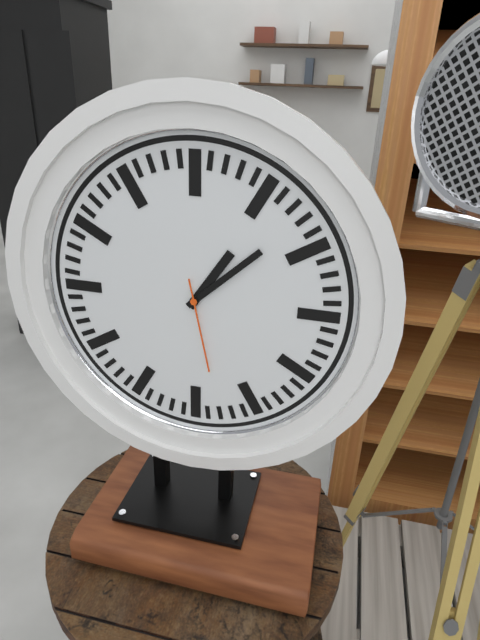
1:08:28
